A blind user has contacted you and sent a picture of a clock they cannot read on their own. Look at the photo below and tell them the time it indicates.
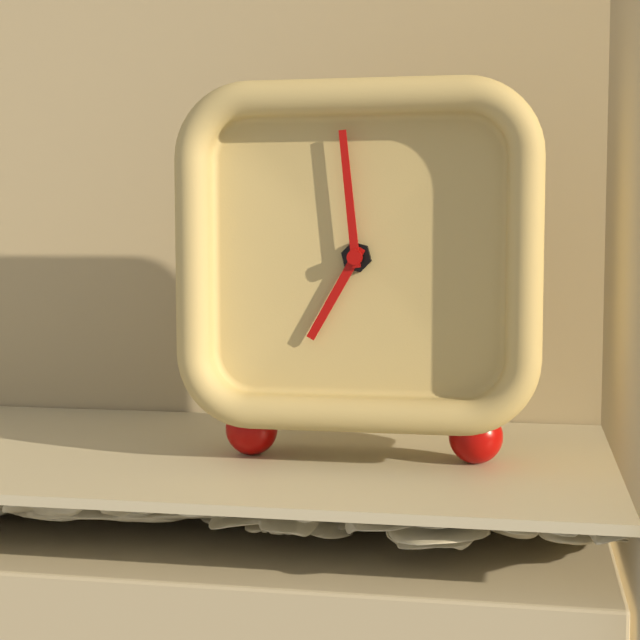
6:59
